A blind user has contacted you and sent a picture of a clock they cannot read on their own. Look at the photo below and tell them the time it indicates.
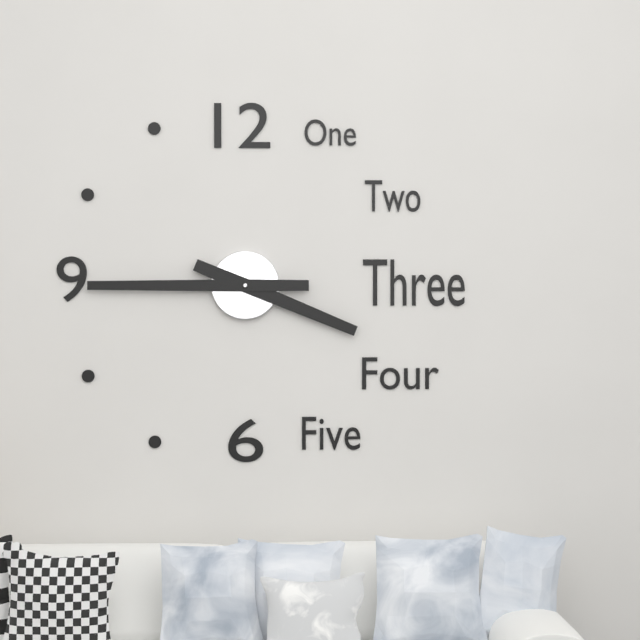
3:45
